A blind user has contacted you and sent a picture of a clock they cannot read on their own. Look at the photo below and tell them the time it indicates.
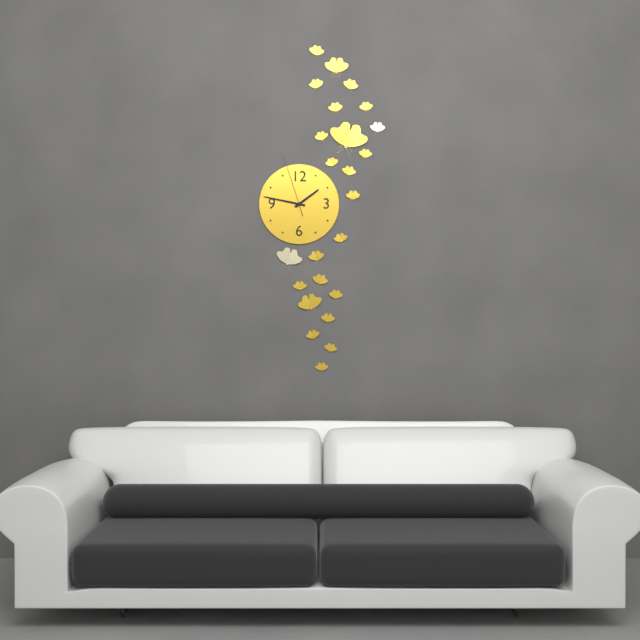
1:47:57
